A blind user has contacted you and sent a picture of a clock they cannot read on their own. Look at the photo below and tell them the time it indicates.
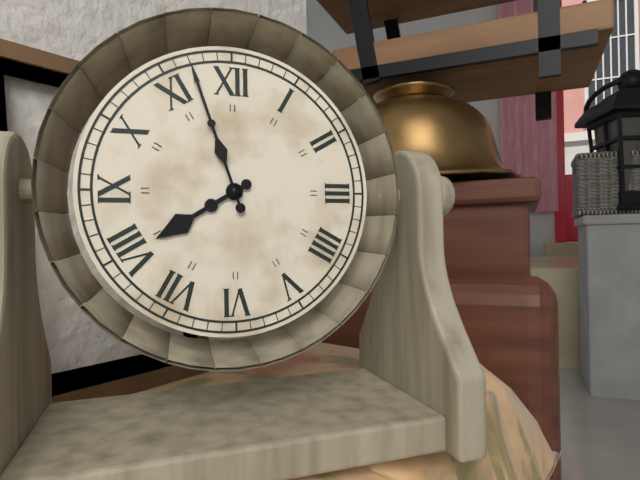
7:57
